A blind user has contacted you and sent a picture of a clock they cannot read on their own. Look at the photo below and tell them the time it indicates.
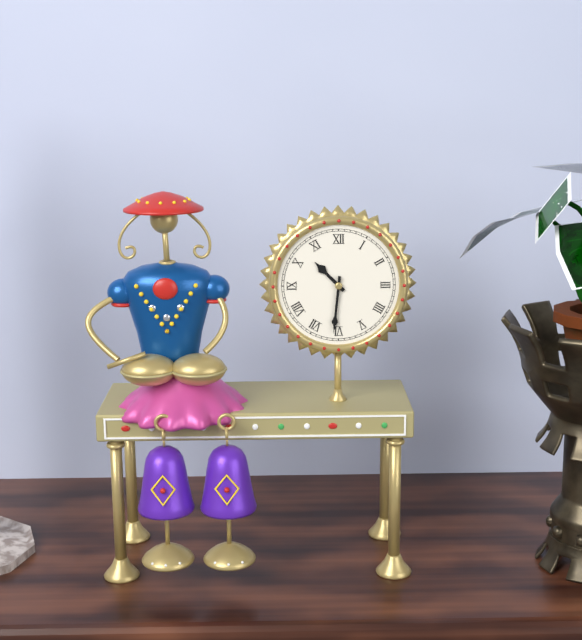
10:31
